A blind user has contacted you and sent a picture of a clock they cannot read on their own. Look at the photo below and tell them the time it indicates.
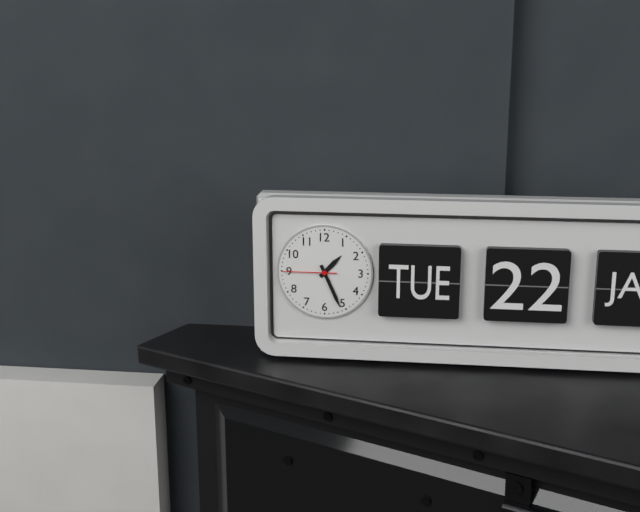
1:26:45
